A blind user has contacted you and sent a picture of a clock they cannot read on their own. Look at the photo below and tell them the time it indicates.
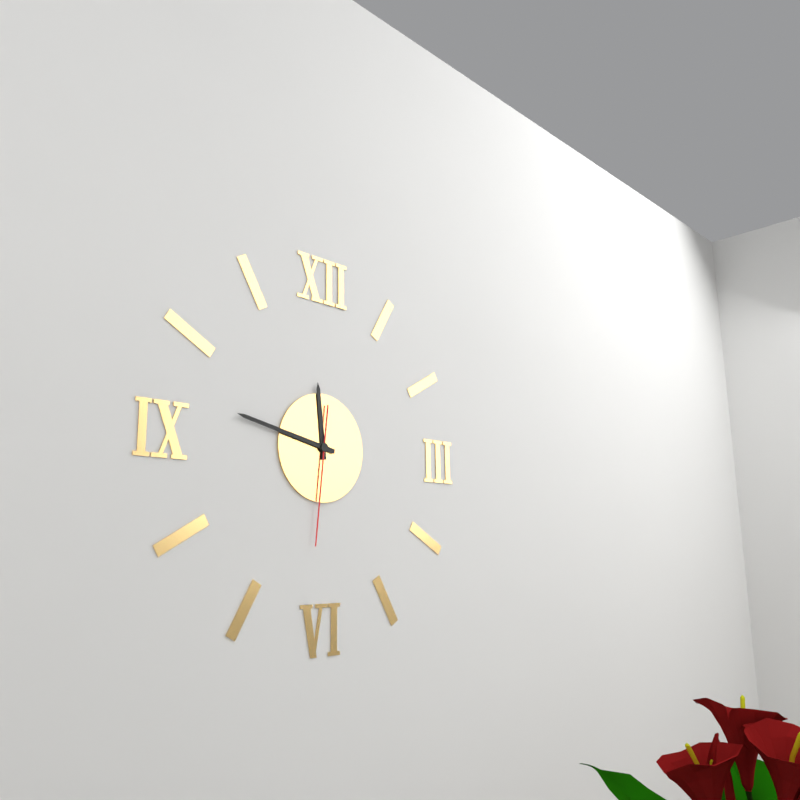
11:47:31
